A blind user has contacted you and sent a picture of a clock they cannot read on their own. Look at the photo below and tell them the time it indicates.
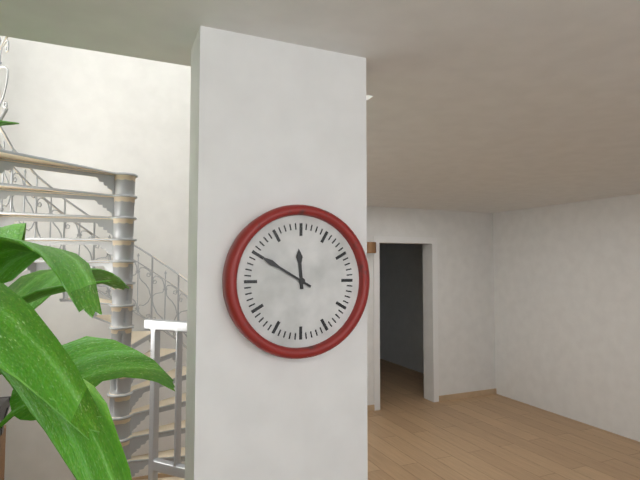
11:50
